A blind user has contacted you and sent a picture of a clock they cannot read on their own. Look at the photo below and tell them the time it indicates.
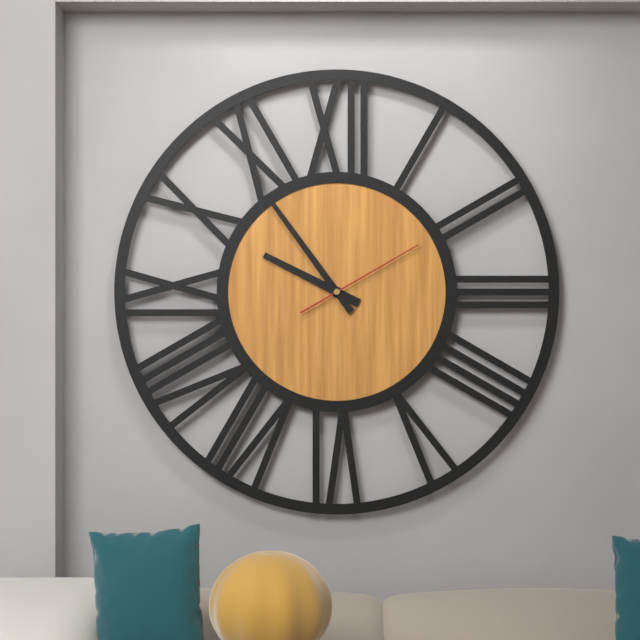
9:54:10
